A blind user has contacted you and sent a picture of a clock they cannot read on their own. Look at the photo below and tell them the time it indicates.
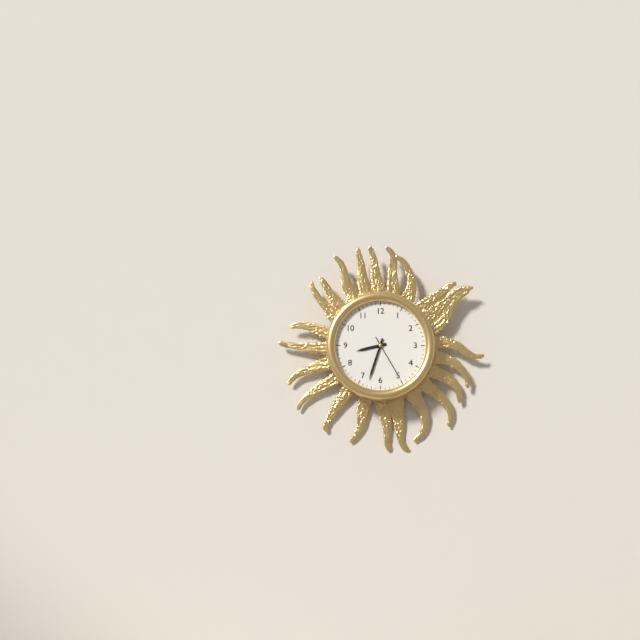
8:33:25
